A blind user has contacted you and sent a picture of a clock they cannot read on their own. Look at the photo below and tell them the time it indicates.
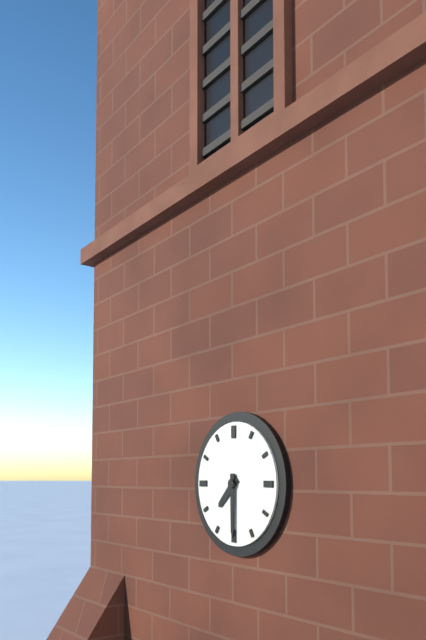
7:30
